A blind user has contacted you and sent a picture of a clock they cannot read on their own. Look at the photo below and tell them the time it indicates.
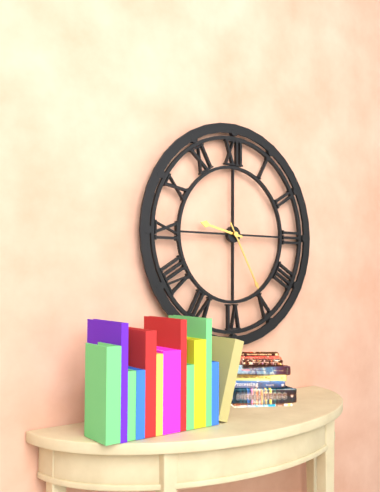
9:25
